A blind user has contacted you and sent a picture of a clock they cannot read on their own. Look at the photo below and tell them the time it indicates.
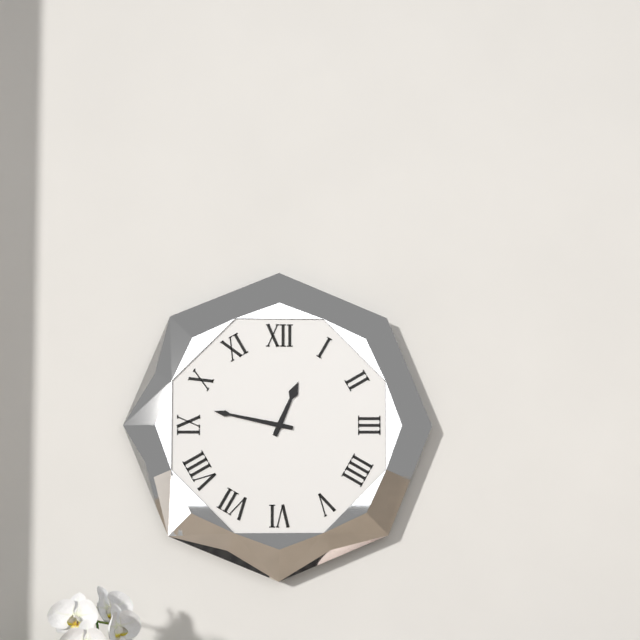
12:47
